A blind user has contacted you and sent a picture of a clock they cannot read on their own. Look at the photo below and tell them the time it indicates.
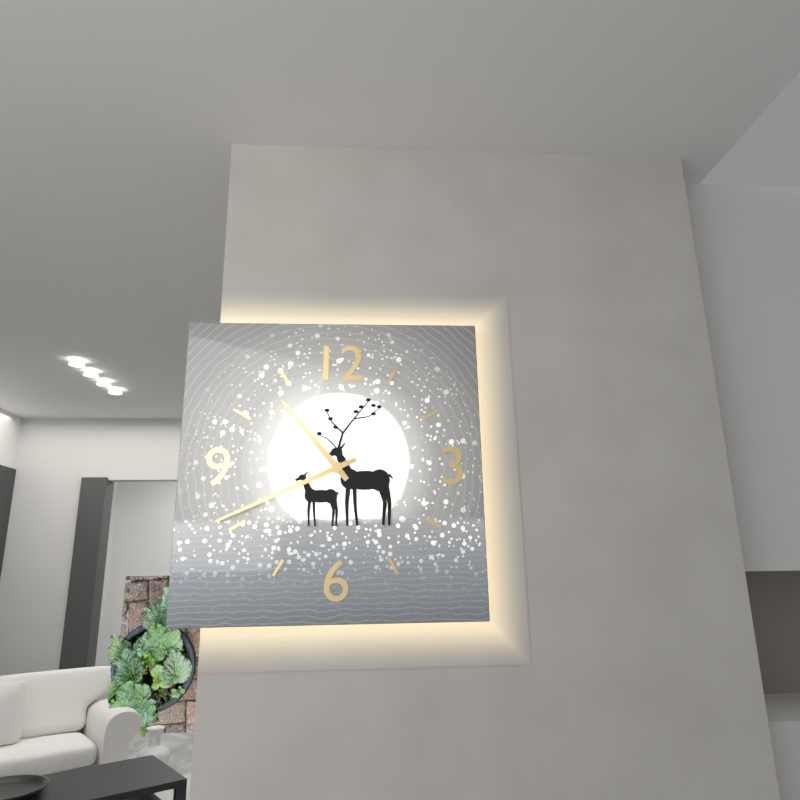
10:41
